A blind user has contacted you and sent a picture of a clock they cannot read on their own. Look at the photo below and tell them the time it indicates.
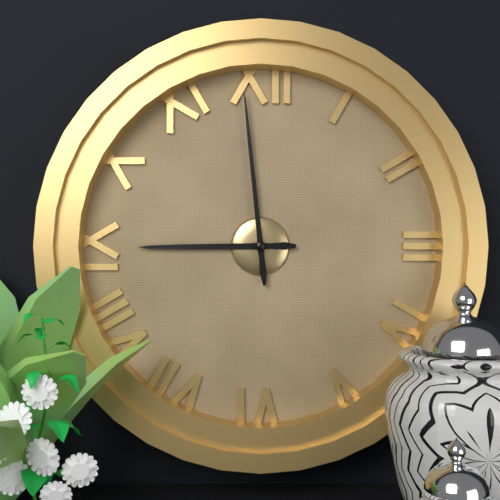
8:59
